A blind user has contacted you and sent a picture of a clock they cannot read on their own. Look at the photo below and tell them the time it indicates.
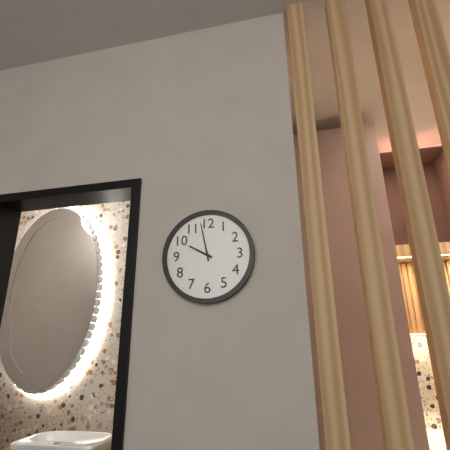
9:58
